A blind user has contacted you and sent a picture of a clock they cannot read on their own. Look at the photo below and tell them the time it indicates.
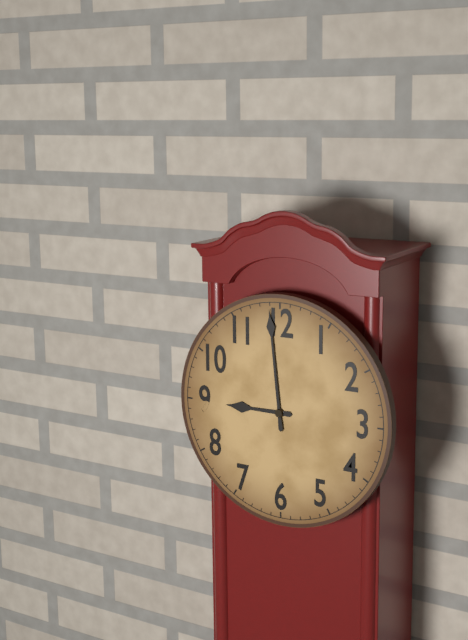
8:59
